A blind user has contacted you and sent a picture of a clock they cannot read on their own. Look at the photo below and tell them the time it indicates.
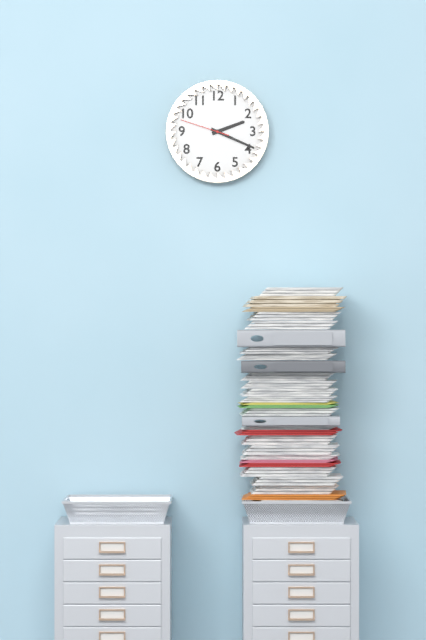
2:19
